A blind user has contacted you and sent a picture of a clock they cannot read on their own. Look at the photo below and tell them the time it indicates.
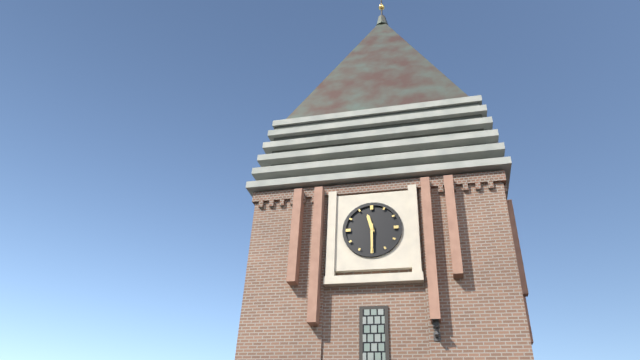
11:30
